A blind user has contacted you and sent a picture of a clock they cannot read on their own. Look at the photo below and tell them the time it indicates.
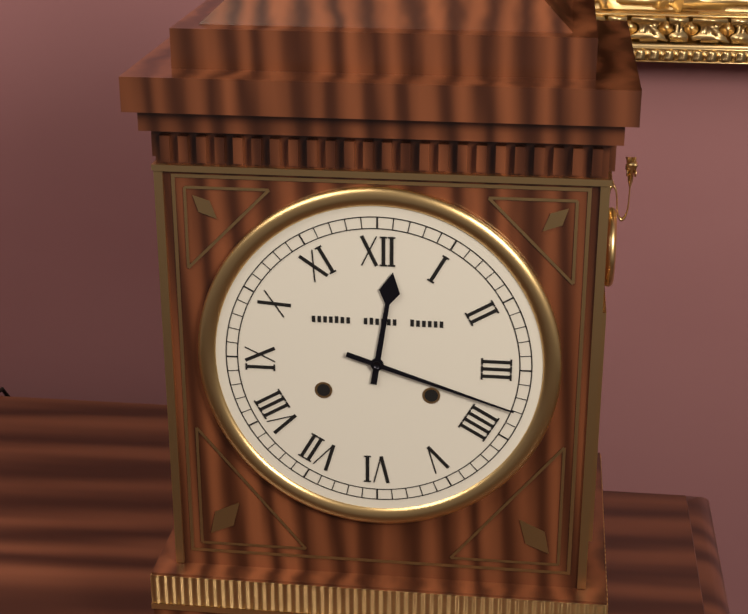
12:18
